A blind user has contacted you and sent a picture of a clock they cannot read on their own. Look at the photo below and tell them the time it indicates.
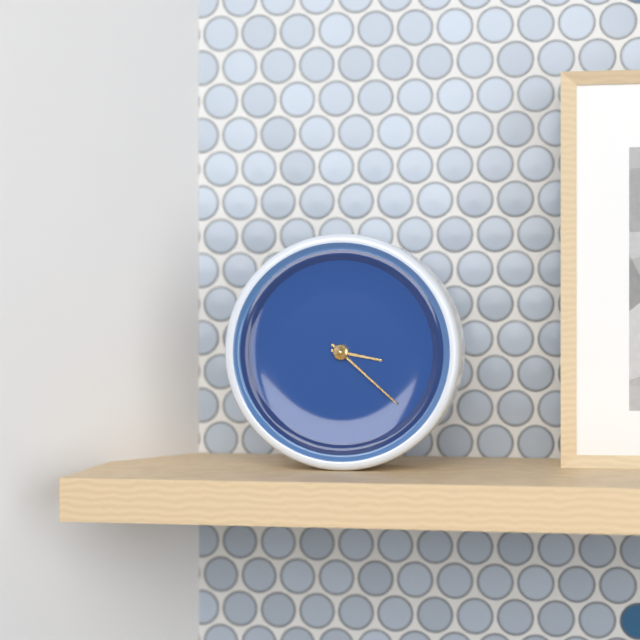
3:22
